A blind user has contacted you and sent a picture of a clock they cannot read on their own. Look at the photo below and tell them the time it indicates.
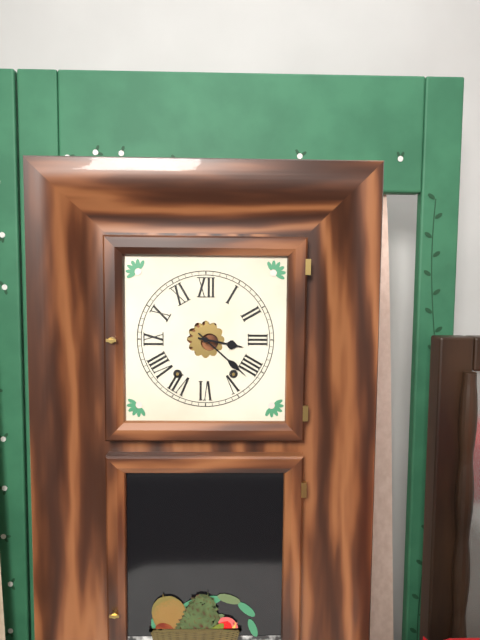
3:22
